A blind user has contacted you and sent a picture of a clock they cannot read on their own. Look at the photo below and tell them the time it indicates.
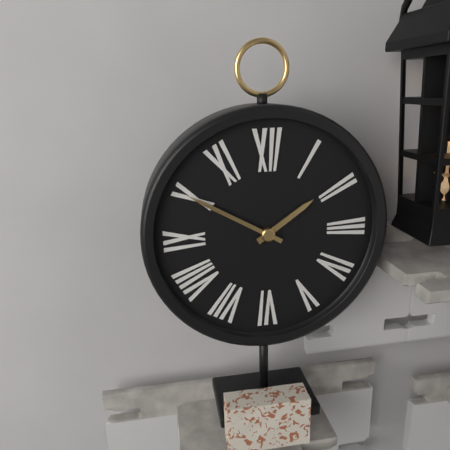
1:50
